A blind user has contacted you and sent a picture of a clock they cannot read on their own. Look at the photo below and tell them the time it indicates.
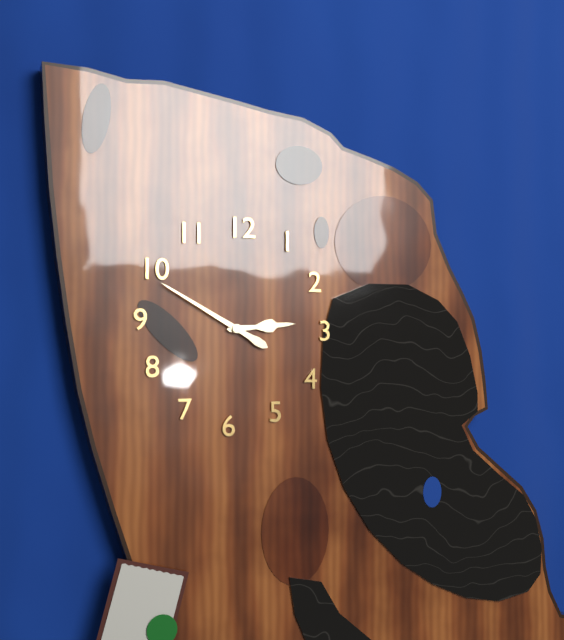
2:50
